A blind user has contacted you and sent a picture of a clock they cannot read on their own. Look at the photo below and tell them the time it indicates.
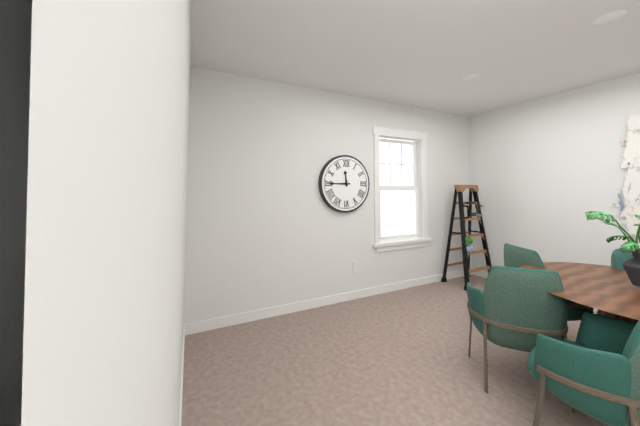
11:45
